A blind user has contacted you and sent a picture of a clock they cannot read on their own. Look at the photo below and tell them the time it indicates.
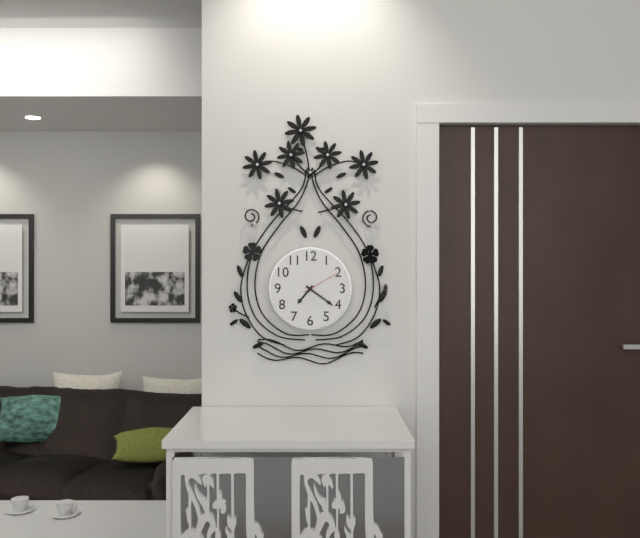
7:21
